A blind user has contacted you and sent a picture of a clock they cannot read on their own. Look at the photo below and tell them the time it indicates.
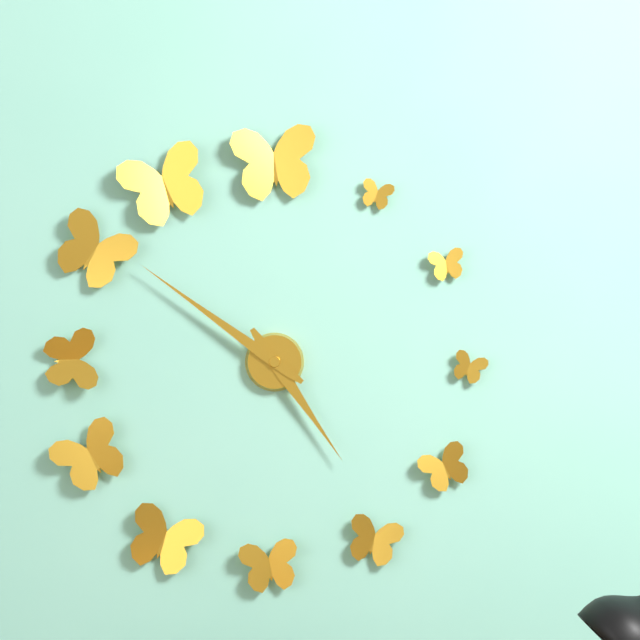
4:51
